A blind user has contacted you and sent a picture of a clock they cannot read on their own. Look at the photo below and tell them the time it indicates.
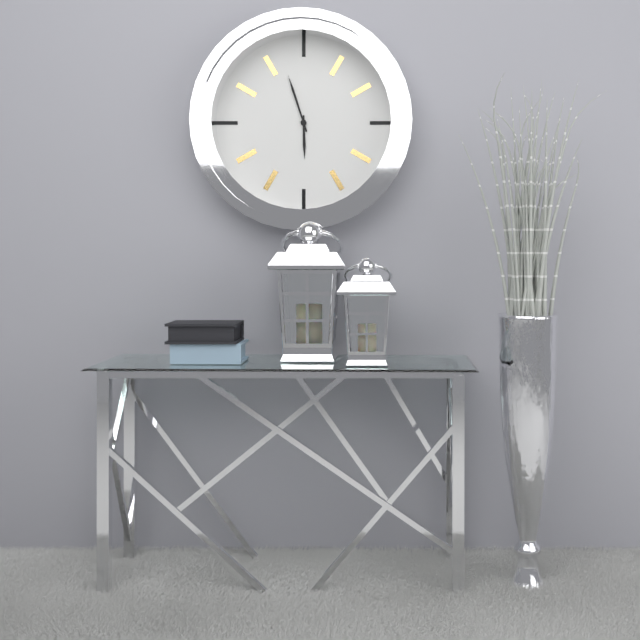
5:57
